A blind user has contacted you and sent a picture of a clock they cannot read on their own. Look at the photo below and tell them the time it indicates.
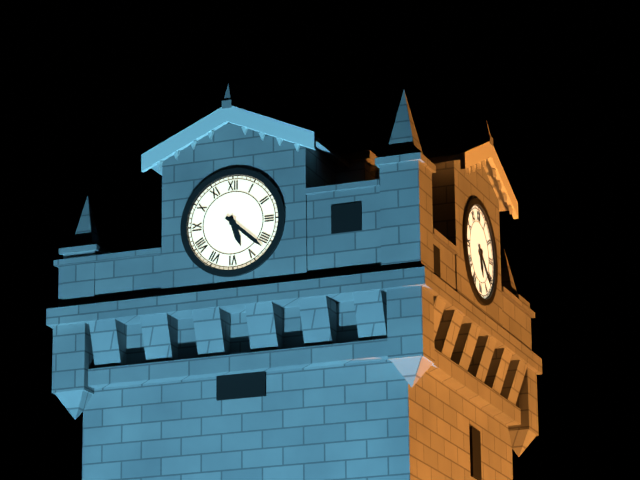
5:22
